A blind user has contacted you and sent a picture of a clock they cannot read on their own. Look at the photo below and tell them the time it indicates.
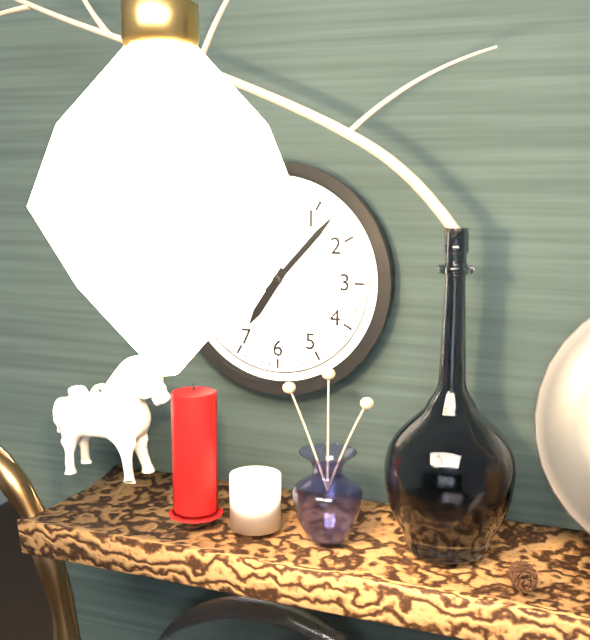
7:07
